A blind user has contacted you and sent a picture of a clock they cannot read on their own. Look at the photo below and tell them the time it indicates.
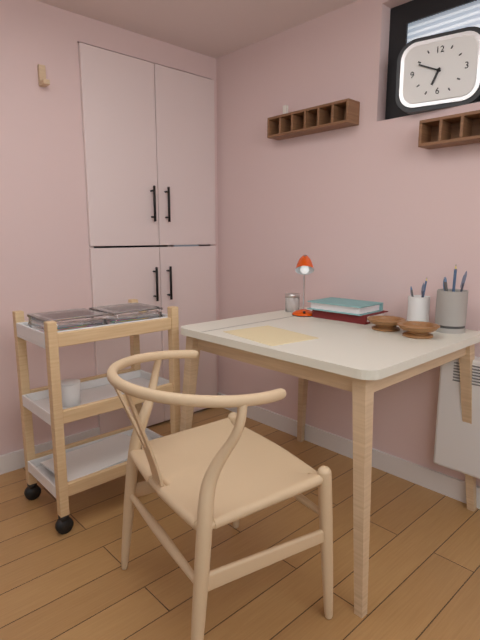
6:49
